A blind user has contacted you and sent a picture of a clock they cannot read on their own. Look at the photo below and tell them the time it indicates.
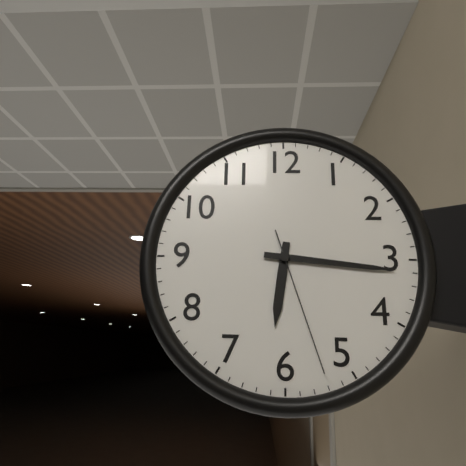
6:16:27
